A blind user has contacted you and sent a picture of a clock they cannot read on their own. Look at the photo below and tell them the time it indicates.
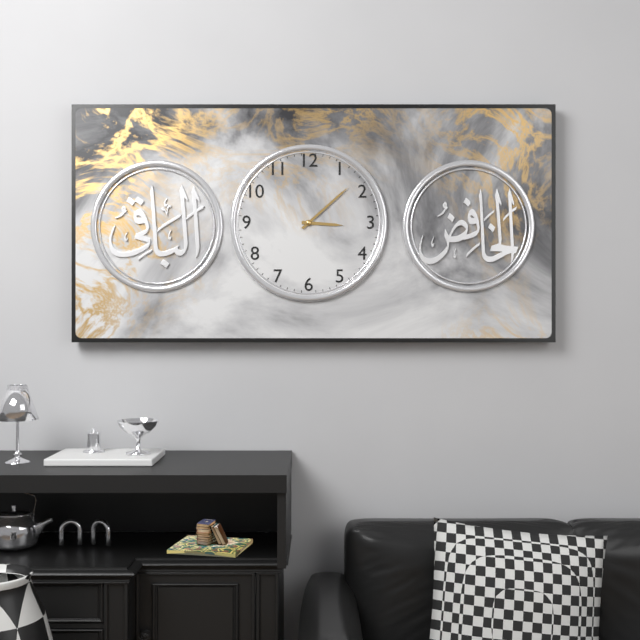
3:08
